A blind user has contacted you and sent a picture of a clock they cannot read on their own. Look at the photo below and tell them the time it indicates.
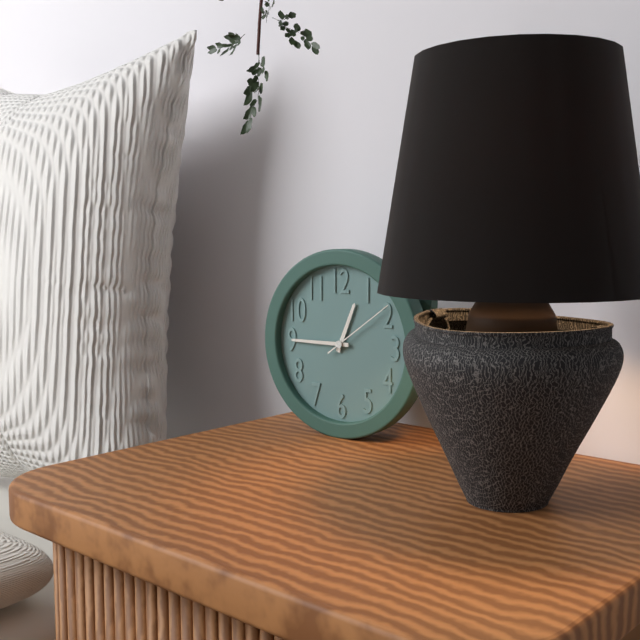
12:45:09
